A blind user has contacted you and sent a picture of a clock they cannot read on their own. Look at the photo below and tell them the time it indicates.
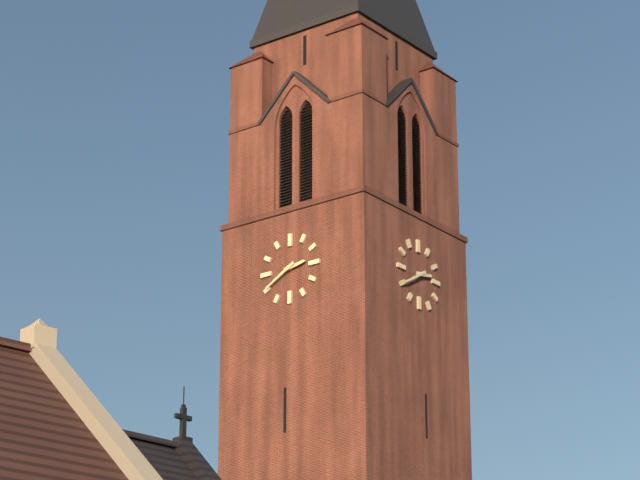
2:40
